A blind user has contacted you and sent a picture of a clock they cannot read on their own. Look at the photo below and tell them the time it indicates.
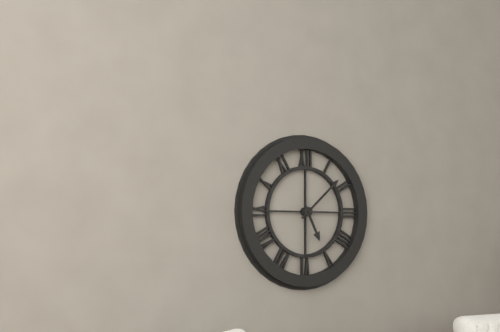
5:08
